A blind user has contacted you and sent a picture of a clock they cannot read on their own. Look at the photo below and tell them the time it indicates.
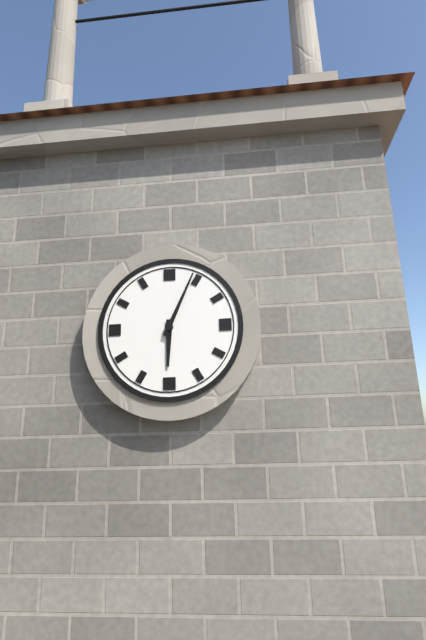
6:04
